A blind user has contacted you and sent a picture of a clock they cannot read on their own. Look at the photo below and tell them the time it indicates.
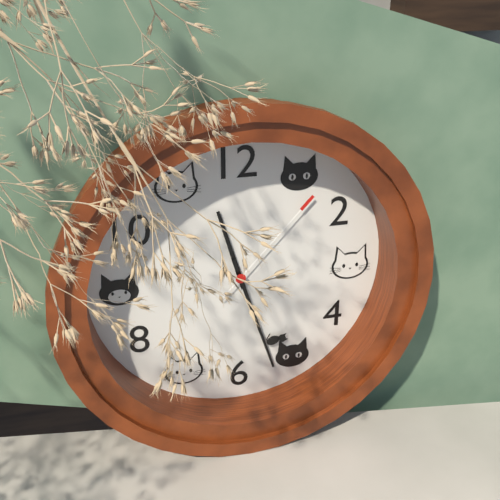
11:27:07
